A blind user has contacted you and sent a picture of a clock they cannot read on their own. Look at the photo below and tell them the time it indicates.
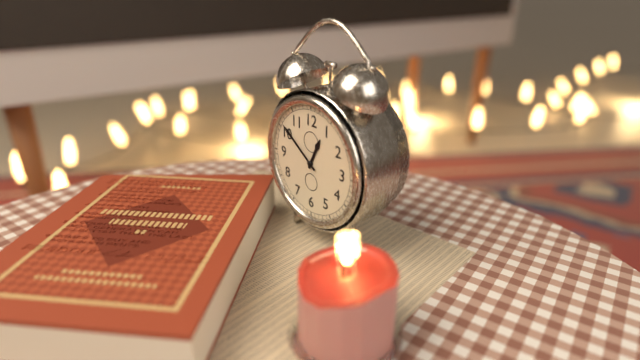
12:51
